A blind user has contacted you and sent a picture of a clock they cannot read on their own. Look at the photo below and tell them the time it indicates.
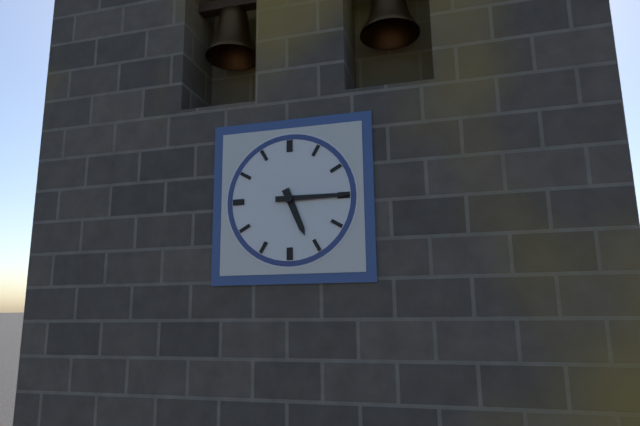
5:15
